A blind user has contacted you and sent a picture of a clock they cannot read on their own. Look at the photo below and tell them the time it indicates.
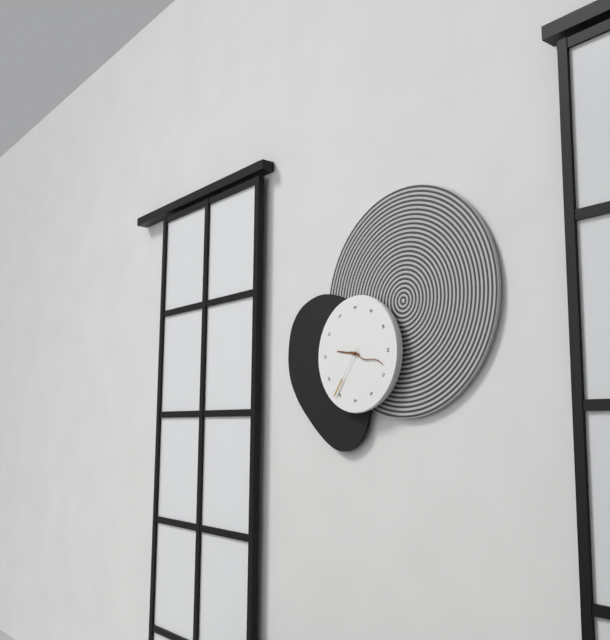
9:18:36
